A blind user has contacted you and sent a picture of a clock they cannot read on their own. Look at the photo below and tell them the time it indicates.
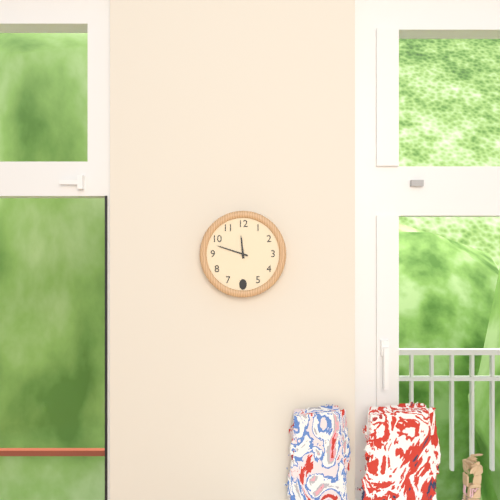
11:48
